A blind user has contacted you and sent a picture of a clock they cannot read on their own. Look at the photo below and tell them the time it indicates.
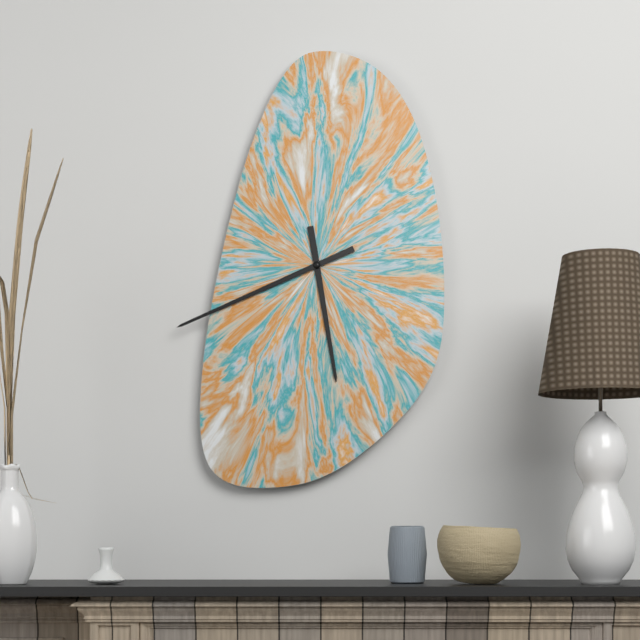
5:41
